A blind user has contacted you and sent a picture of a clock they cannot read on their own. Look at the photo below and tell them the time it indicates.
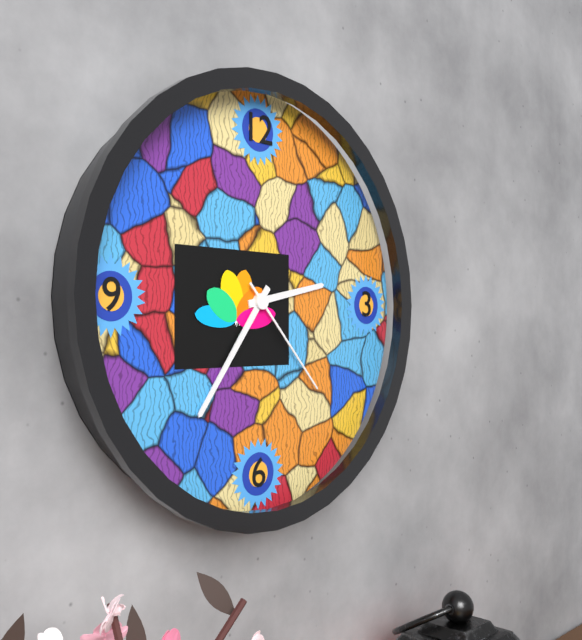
2:36:23
